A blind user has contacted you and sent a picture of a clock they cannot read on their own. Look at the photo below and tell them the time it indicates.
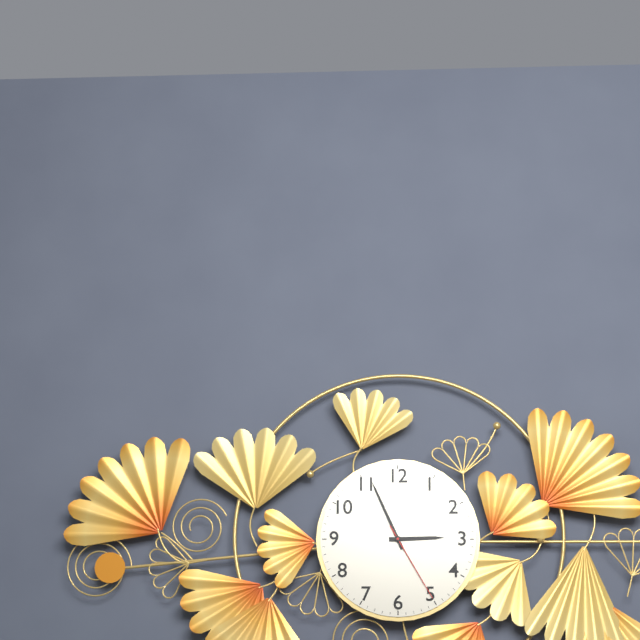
2:56:25
